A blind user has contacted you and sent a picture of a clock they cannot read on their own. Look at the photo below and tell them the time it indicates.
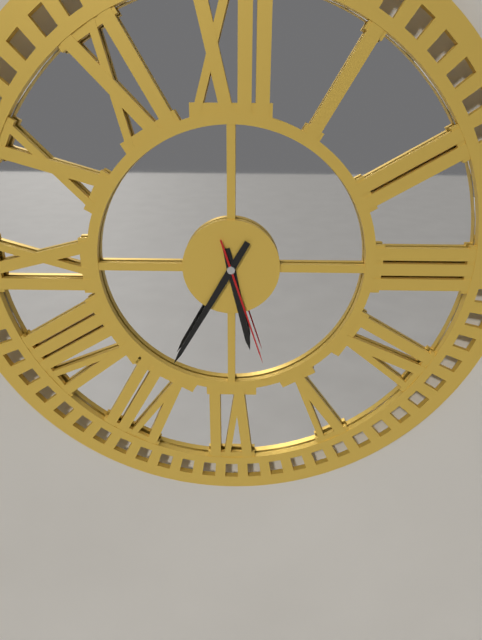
5:35:27
